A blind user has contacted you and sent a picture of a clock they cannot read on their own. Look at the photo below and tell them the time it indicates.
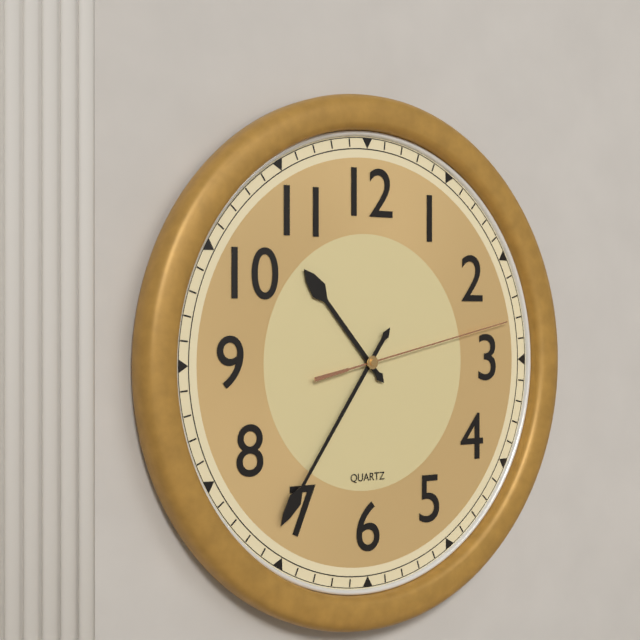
10:36:13
